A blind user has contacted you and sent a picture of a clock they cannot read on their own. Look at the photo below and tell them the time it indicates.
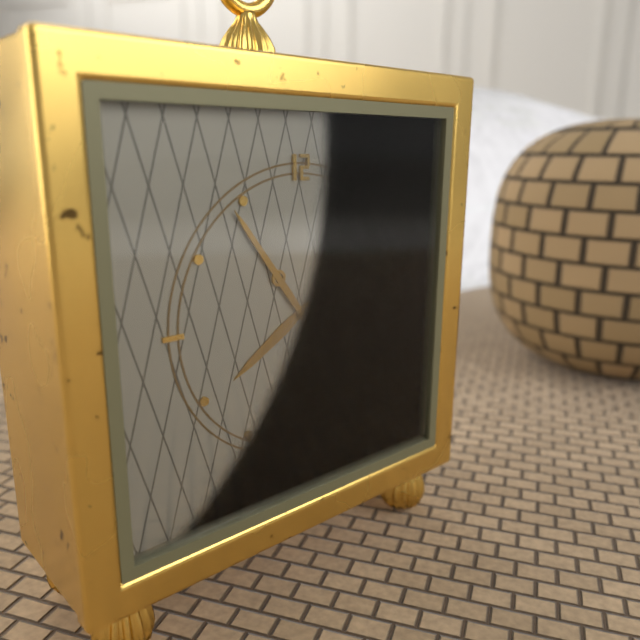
7:54
